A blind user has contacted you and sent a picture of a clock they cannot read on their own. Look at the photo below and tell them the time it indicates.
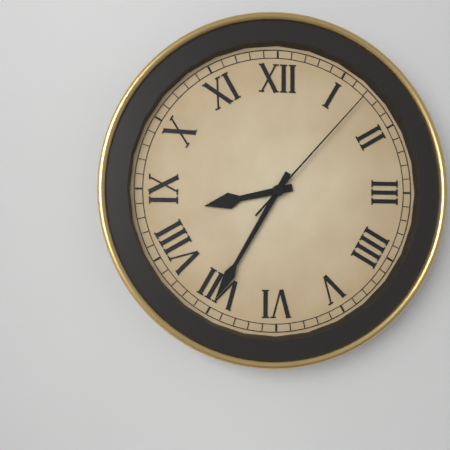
8:35:07
